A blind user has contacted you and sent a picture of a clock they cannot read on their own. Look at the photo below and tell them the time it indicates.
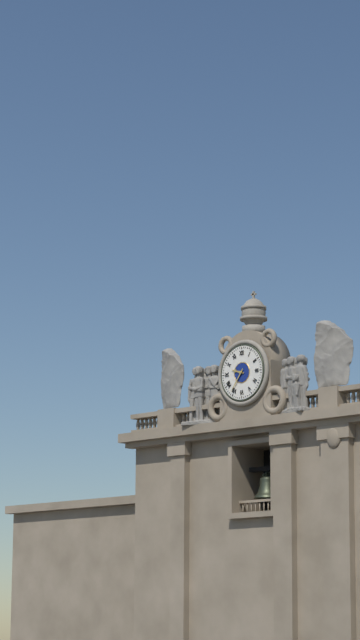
9:36
